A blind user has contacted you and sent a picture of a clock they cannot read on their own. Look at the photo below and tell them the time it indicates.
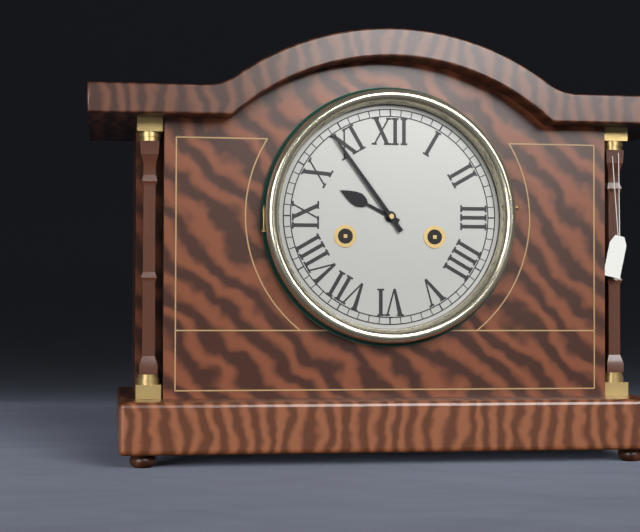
9:54
